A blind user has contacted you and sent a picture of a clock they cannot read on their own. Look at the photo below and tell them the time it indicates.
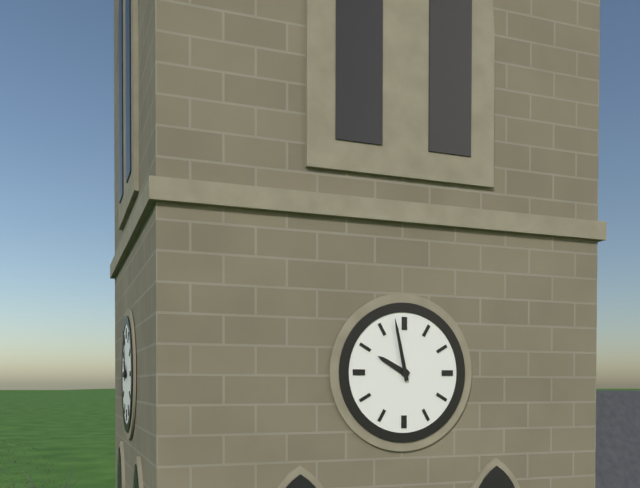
9:58
